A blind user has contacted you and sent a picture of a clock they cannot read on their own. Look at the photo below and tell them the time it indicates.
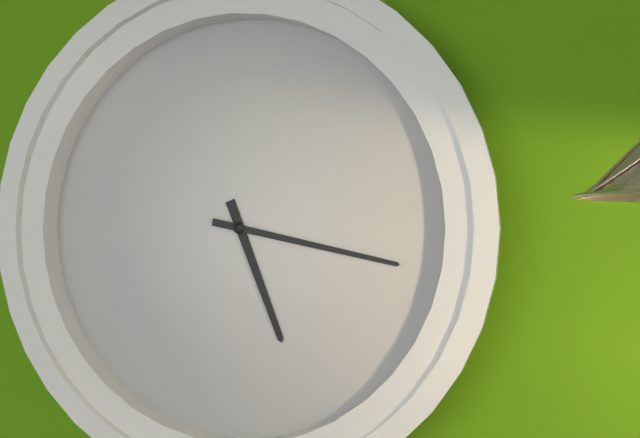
5:17
